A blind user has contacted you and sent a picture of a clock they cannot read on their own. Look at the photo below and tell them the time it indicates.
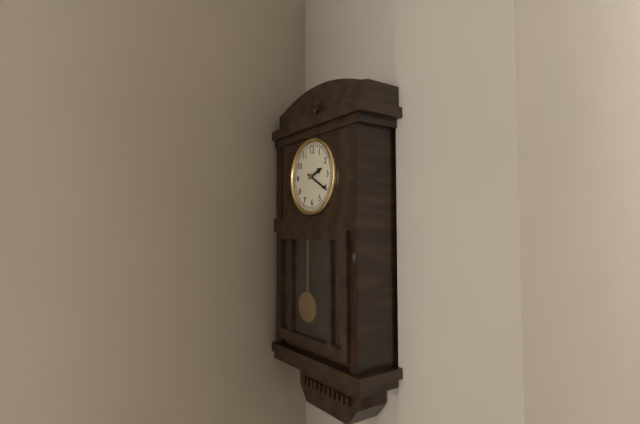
2:20
